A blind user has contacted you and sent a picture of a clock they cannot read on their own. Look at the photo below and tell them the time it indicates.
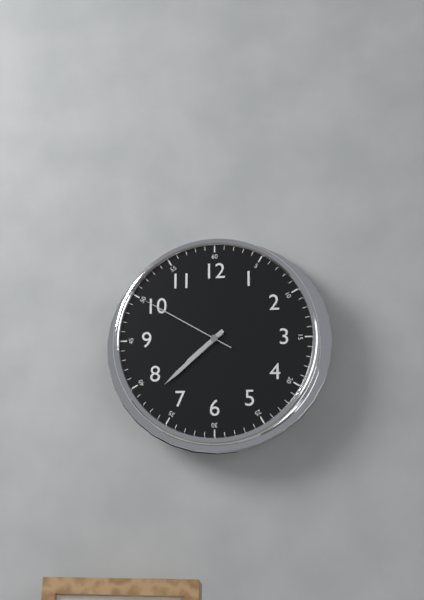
7:38:50
